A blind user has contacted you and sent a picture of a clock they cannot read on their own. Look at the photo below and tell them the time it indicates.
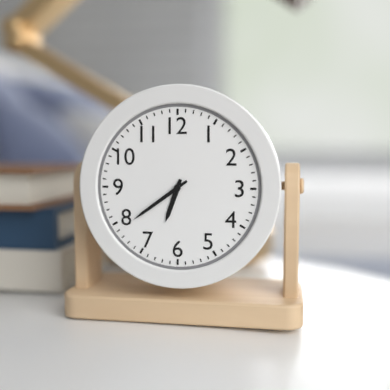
6:39
